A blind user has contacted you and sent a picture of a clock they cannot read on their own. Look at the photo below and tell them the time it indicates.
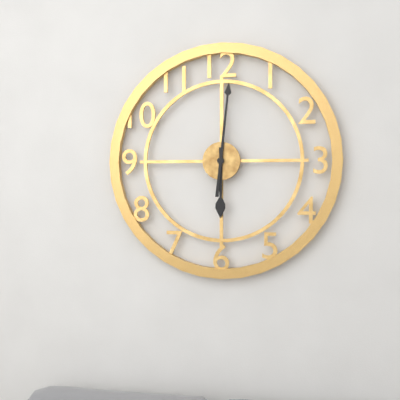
6:01
